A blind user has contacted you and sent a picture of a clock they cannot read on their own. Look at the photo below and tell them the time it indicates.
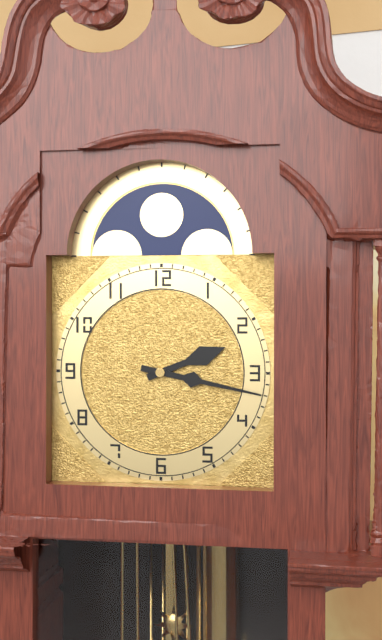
2:17
